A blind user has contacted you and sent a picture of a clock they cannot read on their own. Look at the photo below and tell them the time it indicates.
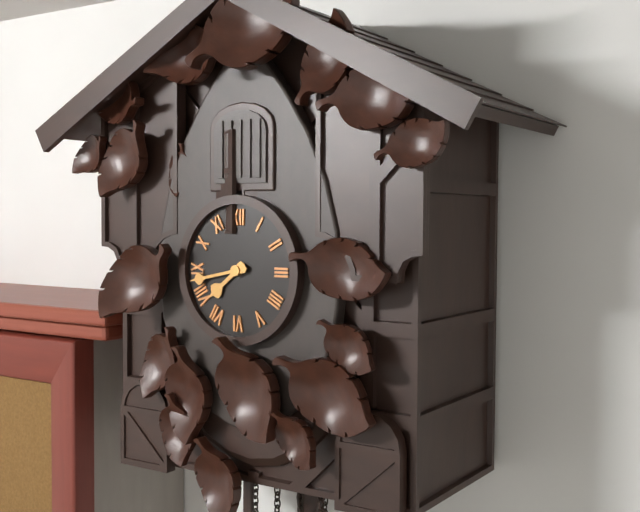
7:43
